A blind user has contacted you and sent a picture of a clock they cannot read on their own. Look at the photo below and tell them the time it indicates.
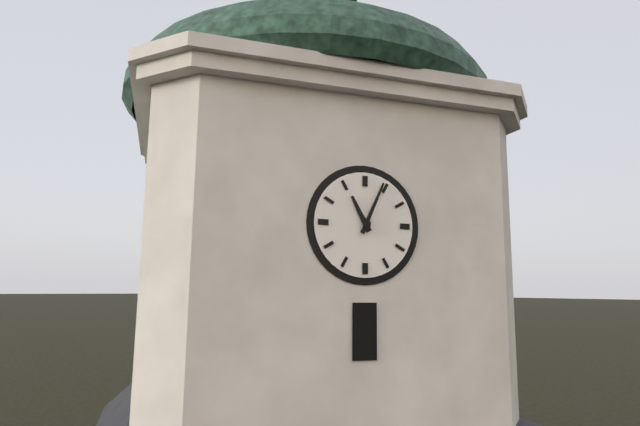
11:04
